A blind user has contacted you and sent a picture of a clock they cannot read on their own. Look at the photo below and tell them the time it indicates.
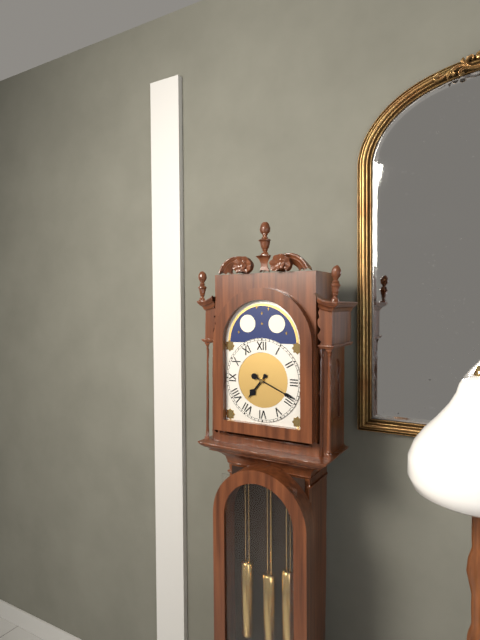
7:19
